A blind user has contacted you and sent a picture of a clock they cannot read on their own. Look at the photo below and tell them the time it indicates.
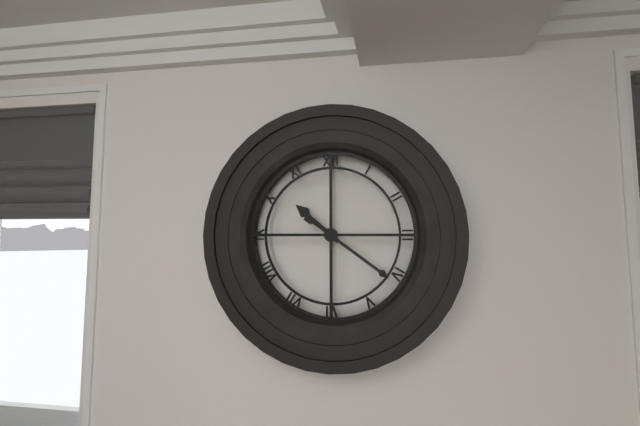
10:21
